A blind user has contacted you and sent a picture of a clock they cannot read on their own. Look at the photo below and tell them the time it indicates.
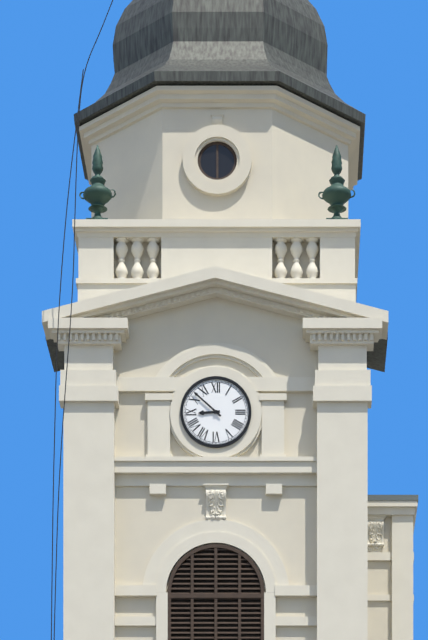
8:52
